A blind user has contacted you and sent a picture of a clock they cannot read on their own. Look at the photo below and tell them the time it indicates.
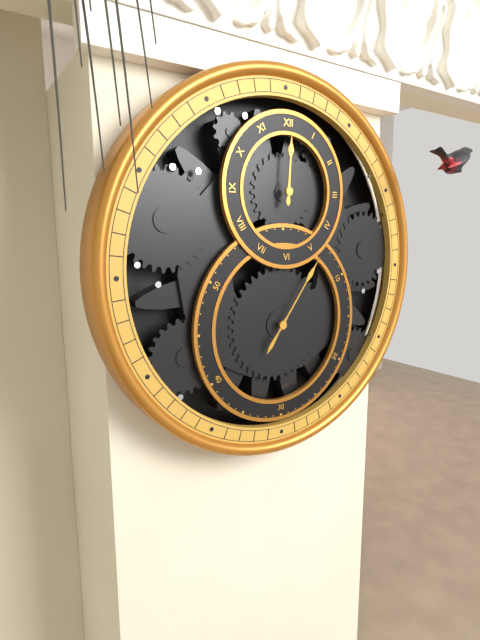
12:06
